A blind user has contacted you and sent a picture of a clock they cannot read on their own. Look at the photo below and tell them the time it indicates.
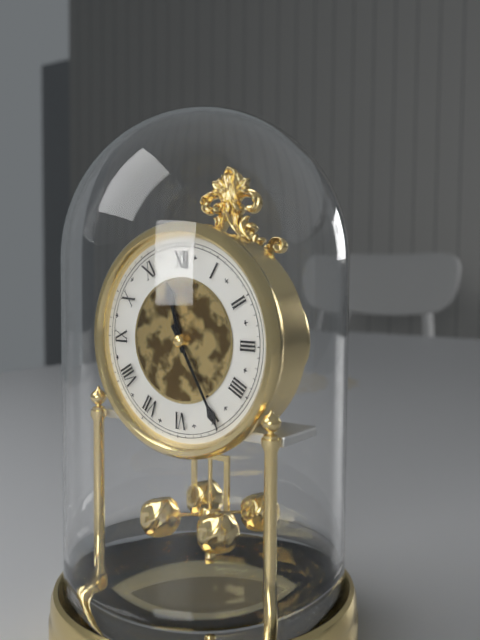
11:25
